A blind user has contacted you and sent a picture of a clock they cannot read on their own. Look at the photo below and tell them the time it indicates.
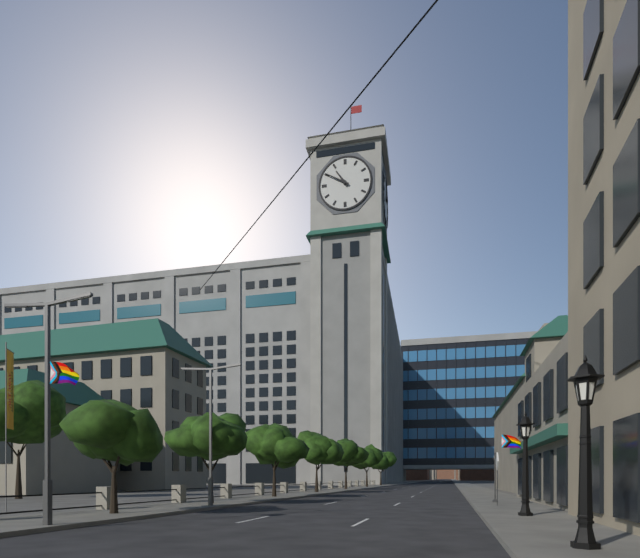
10:50
